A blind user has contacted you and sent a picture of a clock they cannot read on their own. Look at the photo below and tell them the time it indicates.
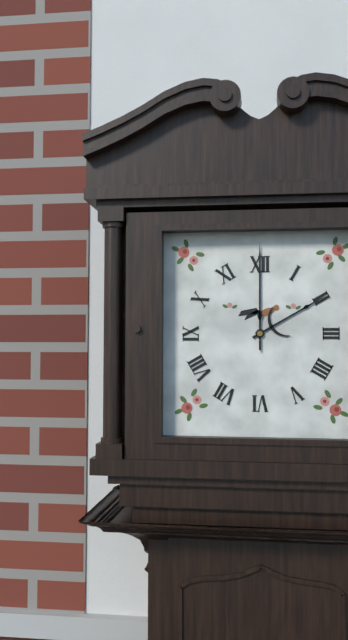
2:00
